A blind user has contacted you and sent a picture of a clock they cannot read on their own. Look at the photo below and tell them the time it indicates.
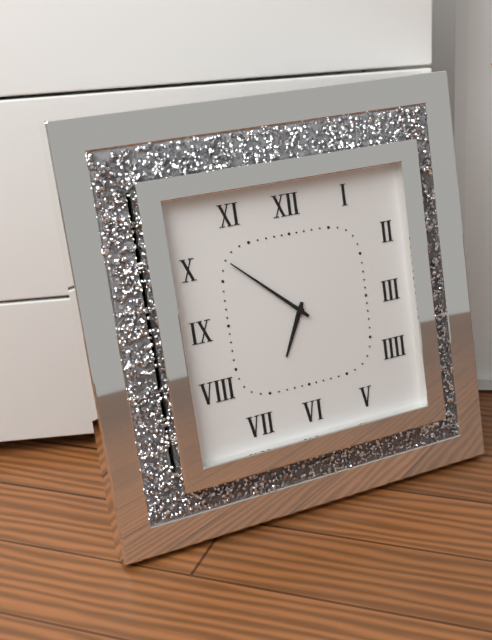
6:52
